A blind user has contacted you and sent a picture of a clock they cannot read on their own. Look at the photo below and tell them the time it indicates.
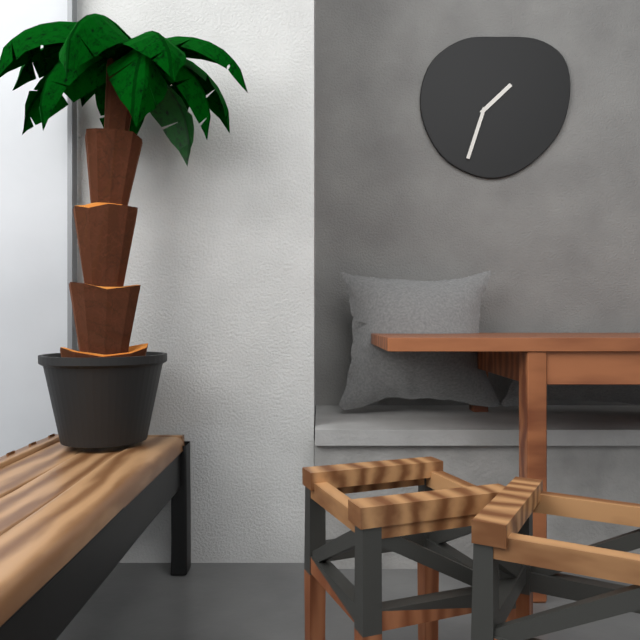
1:33
